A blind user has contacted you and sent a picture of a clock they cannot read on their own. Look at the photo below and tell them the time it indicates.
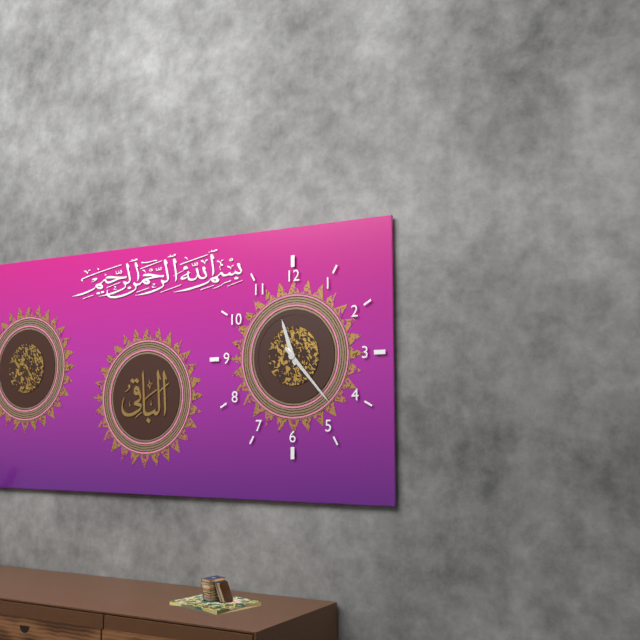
11:23
